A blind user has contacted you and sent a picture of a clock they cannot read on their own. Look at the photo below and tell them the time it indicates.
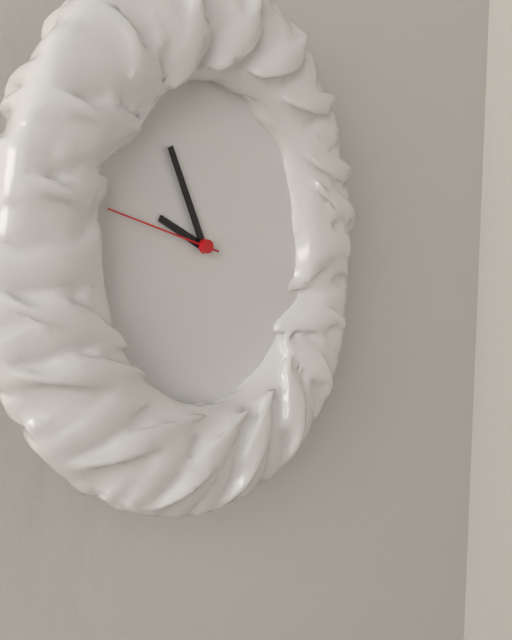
9:56:48
